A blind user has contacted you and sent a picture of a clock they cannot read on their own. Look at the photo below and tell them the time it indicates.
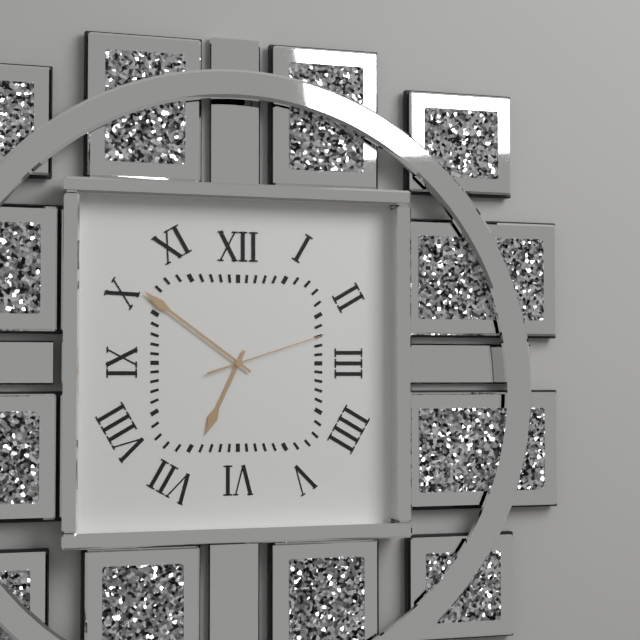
6:51:12
